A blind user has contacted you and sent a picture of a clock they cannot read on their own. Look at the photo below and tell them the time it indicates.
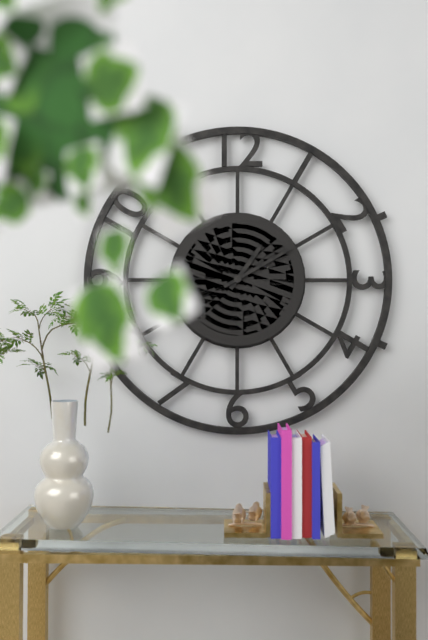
1:10
